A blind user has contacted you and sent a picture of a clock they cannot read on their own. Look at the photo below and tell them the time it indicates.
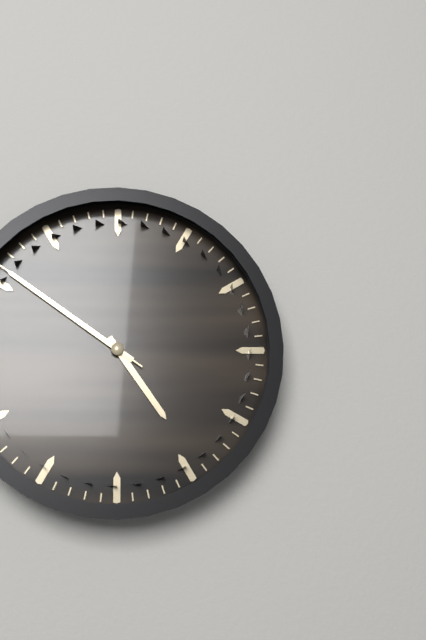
4:51
